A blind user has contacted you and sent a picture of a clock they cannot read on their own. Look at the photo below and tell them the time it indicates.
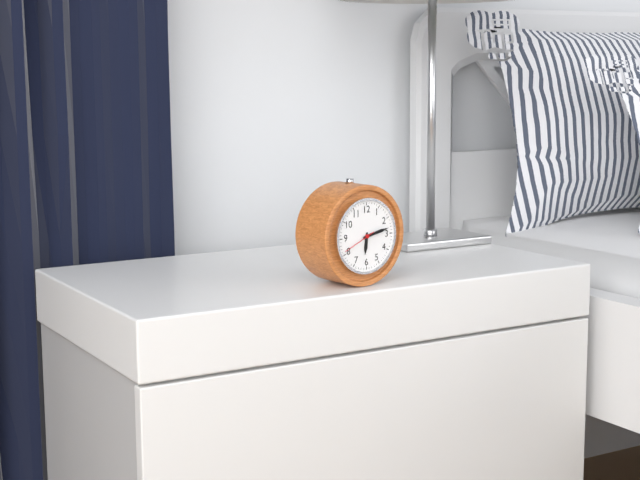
6:13
